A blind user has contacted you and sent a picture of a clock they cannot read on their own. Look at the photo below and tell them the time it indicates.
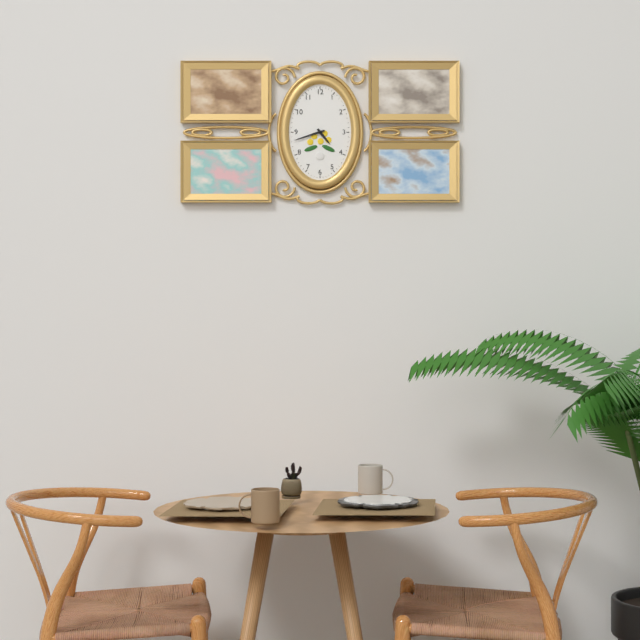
4:42
